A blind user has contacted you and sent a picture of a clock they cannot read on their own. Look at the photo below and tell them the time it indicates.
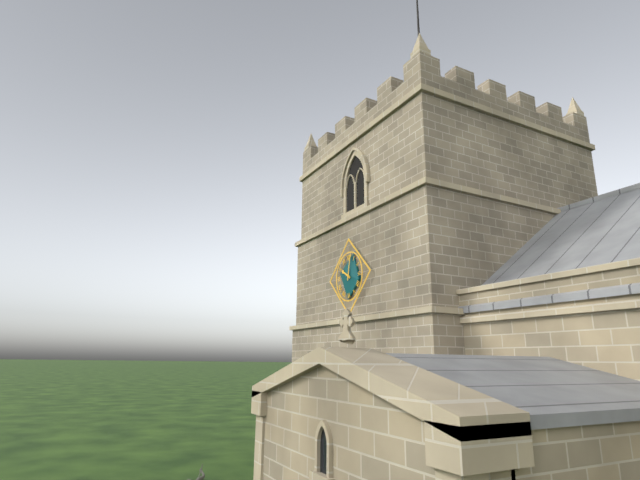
10:02
